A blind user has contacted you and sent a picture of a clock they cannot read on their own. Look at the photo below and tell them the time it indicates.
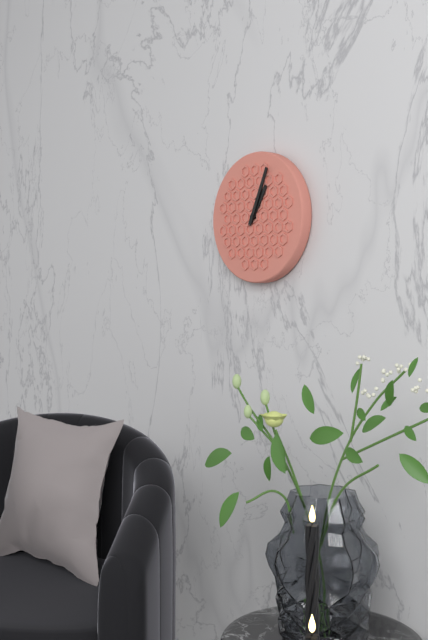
1:04
